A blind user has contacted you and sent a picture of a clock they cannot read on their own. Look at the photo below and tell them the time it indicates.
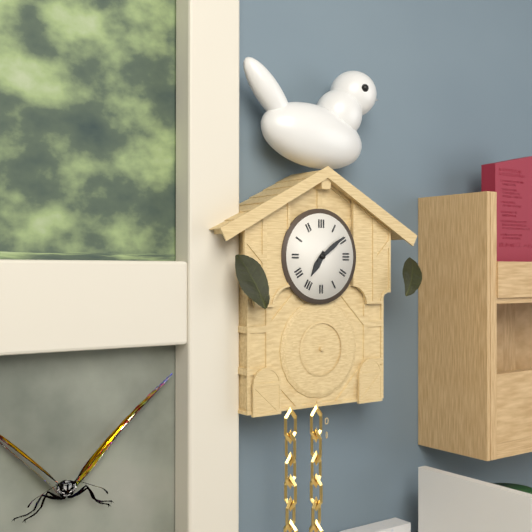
7:09
